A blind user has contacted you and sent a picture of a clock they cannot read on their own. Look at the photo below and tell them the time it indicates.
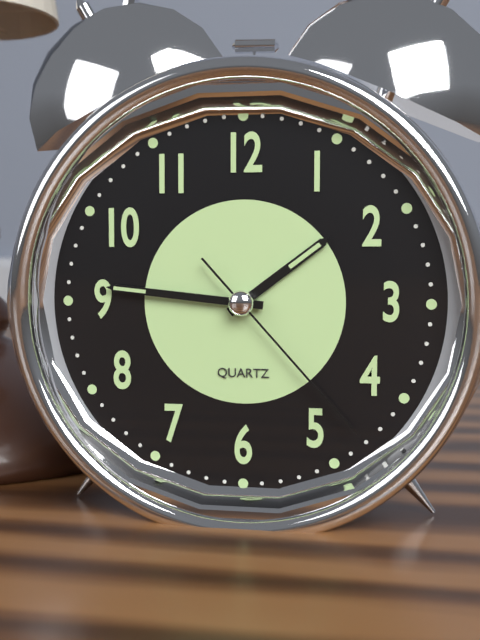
1:46:23
